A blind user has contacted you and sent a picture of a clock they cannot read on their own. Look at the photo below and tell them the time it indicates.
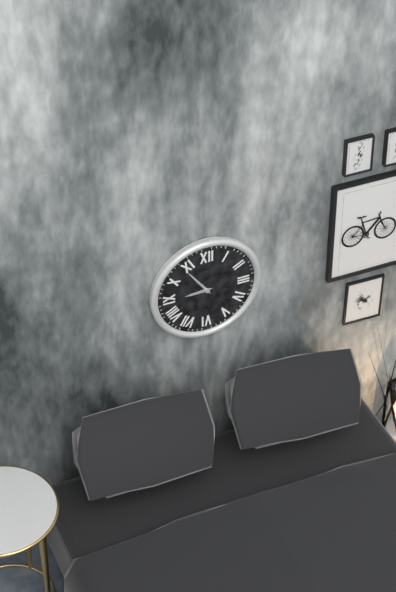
8:54
